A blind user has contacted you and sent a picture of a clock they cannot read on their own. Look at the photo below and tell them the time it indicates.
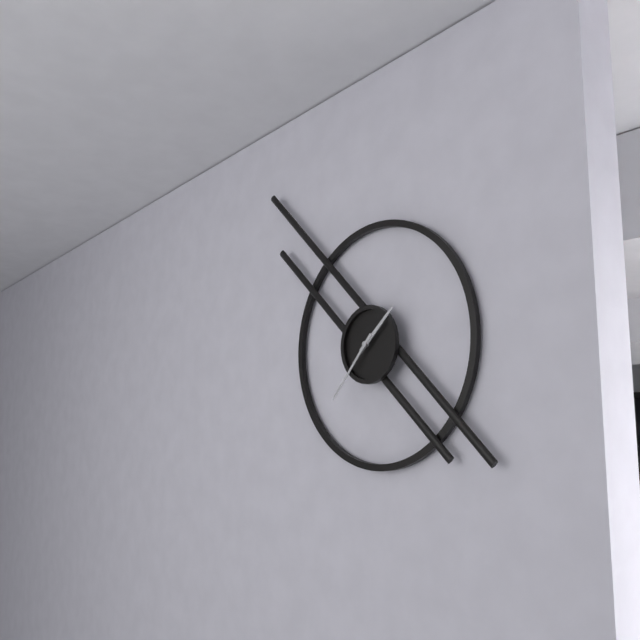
1:37
